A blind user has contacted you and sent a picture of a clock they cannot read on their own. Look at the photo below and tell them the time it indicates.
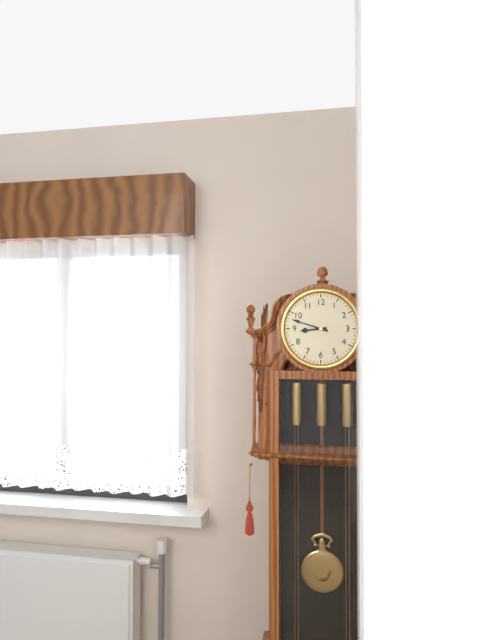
8:48
